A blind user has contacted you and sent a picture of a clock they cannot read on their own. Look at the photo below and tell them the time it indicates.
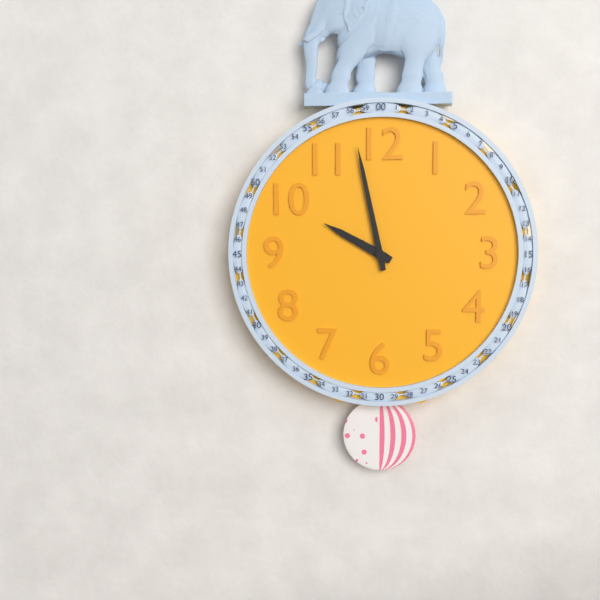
9:58
